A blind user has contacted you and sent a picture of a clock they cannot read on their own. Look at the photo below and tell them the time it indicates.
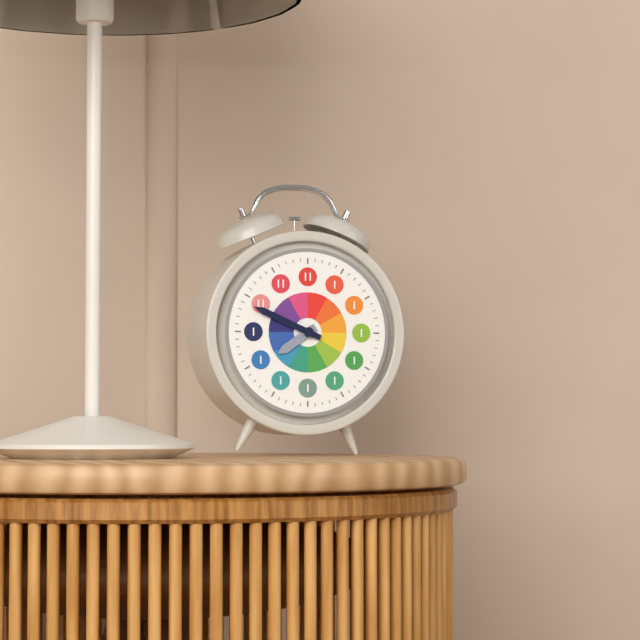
7:49
